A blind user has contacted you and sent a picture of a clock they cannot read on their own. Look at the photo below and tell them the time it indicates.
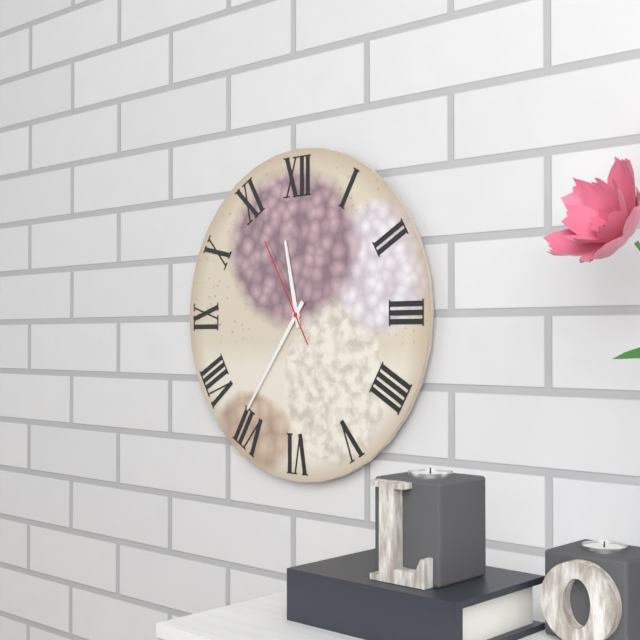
11:36:55
